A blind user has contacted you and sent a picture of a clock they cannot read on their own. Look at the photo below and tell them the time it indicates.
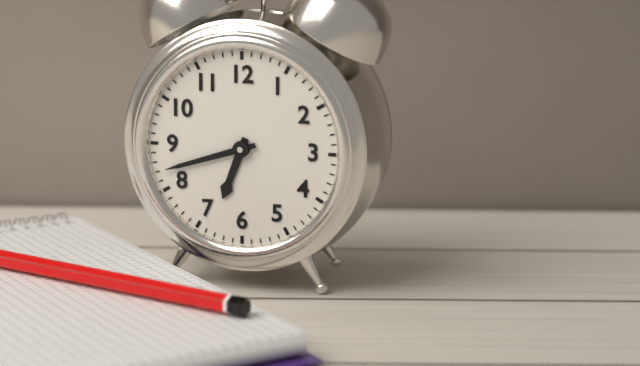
6:42
